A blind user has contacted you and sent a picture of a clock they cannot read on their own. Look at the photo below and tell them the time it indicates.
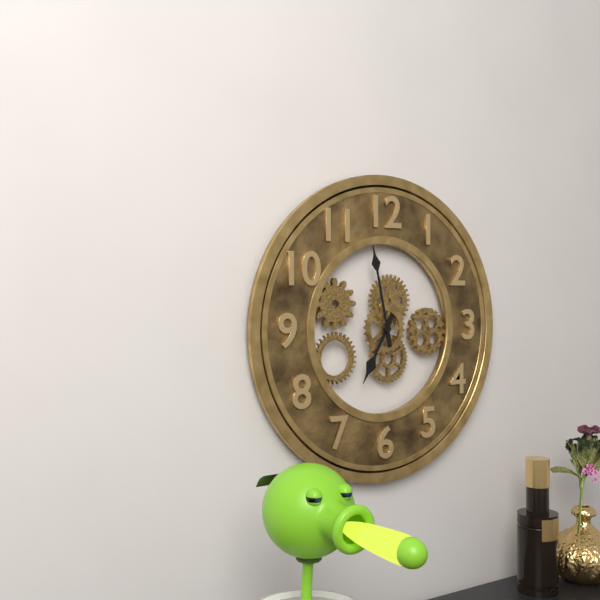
6:58
